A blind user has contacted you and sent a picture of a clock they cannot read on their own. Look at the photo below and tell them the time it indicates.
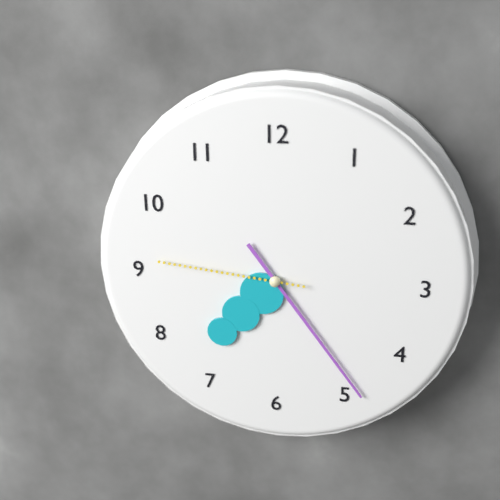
7:24:46
